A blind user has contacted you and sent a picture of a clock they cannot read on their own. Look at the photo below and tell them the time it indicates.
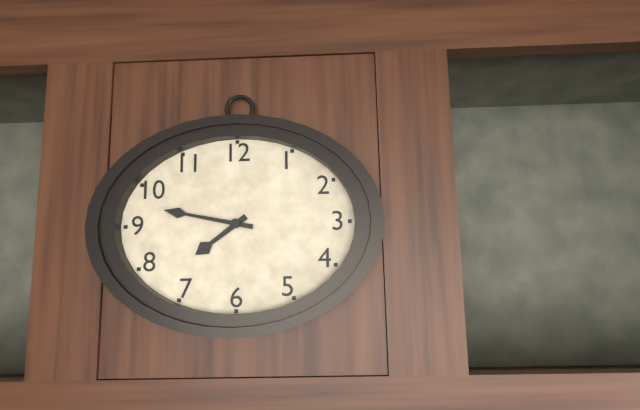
7:47
